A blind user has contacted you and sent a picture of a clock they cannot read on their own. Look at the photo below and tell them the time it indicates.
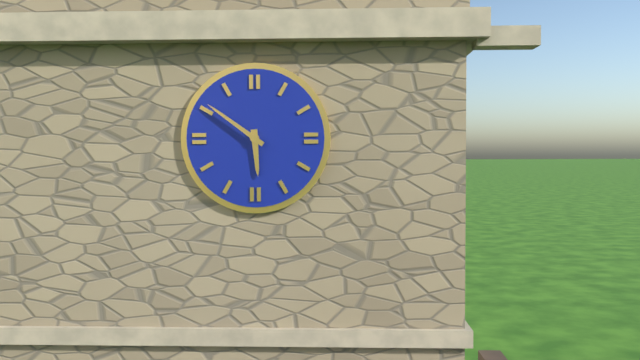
5:51
